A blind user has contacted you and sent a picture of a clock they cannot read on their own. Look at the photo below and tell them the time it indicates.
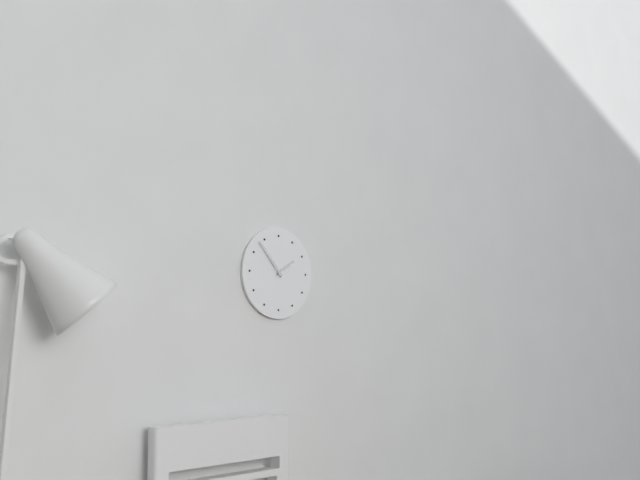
1:53
